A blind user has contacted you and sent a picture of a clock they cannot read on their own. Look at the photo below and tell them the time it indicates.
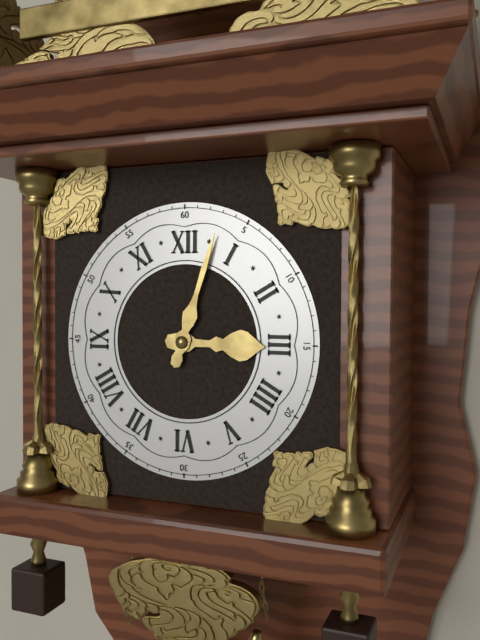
3:03
